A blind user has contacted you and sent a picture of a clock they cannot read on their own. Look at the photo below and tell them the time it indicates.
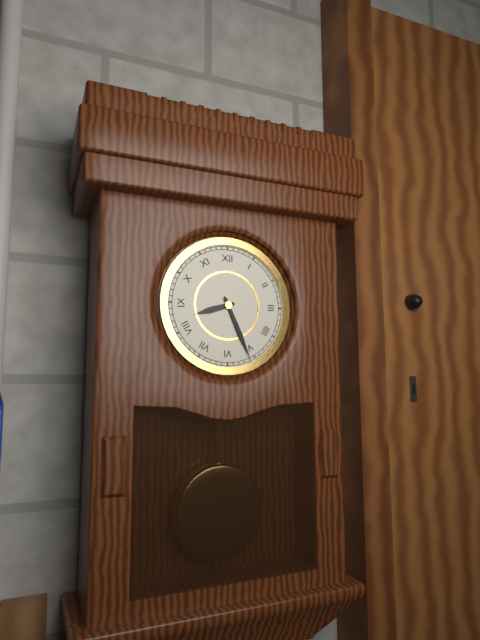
8:26
